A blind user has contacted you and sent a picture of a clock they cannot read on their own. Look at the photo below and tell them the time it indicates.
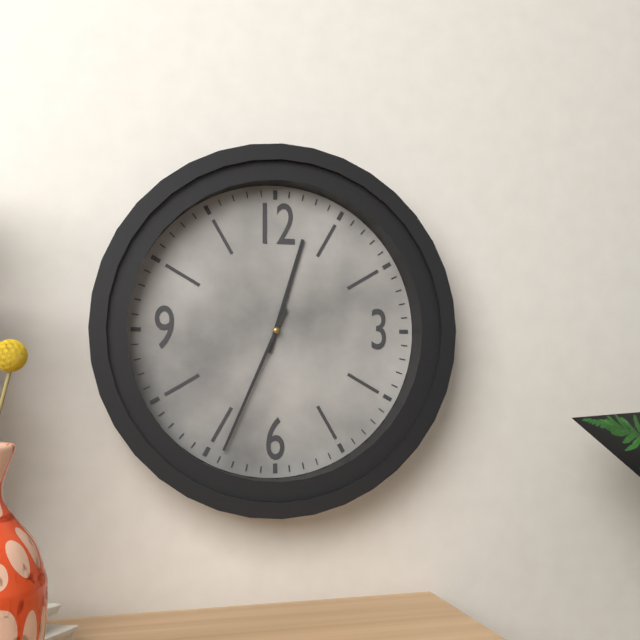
12:34
